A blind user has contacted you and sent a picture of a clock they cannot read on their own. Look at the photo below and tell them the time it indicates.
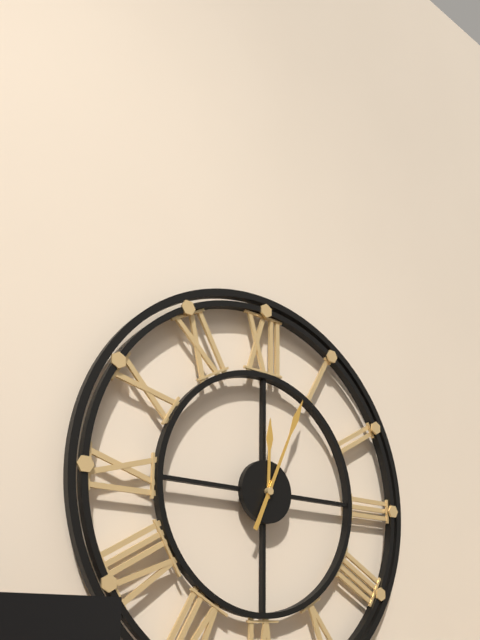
12:04
